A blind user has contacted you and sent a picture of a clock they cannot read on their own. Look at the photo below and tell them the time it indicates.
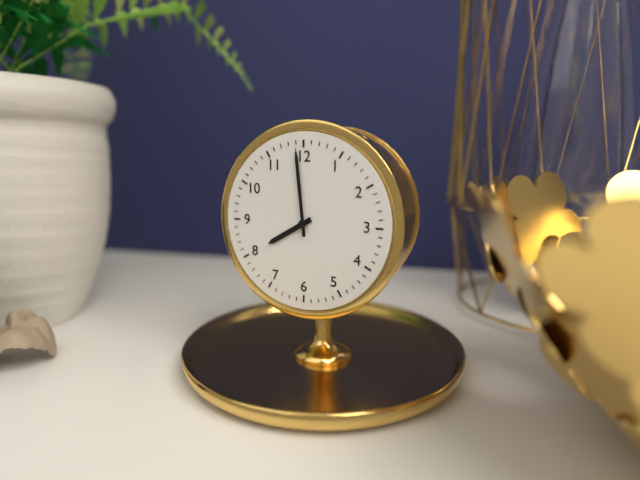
7:59
